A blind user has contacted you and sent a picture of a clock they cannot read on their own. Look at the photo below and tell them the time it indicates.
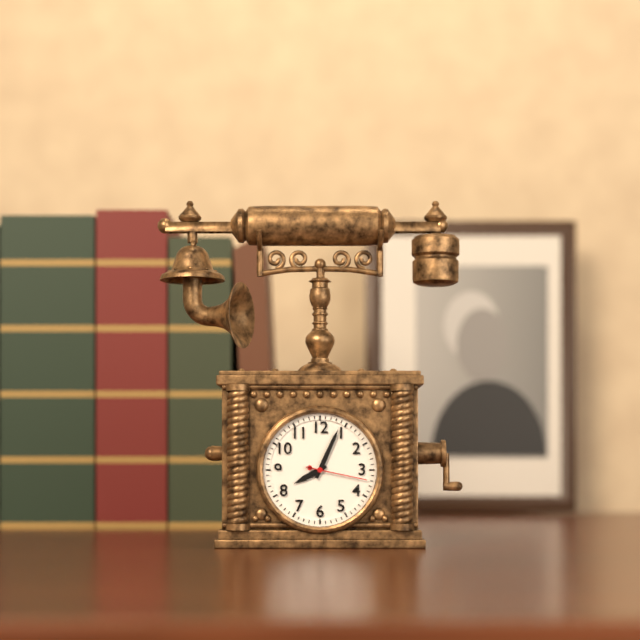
8:04:17
